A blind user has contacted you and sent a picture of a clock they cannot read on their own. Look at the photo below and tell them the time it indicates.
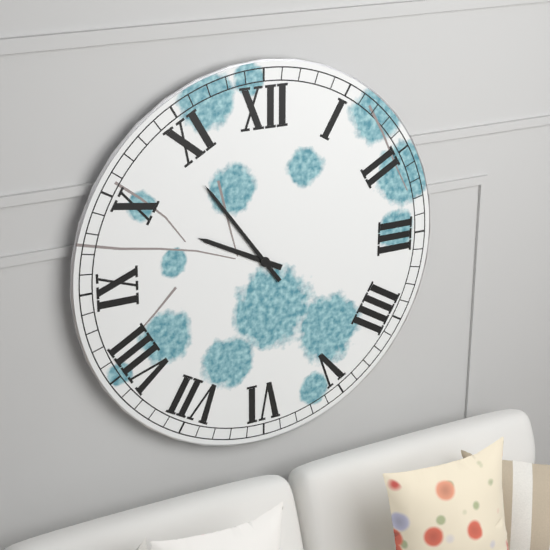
9:54
